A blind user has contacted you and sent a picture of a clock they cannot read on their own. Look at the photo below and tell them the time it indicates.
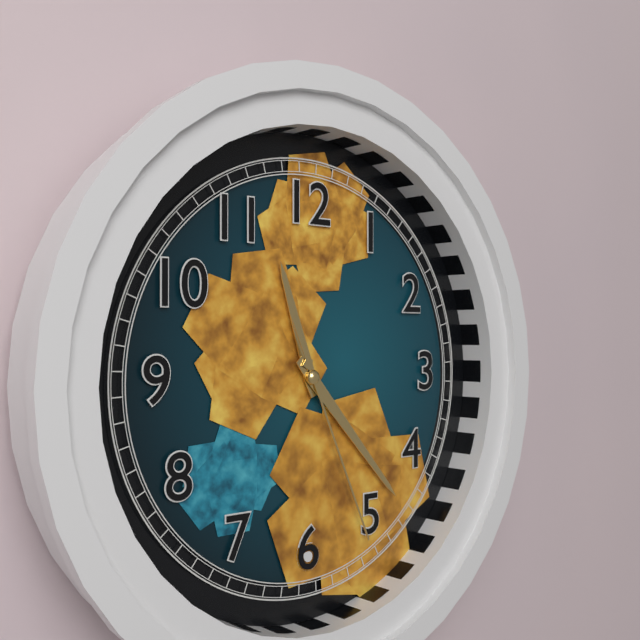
11:23:26
